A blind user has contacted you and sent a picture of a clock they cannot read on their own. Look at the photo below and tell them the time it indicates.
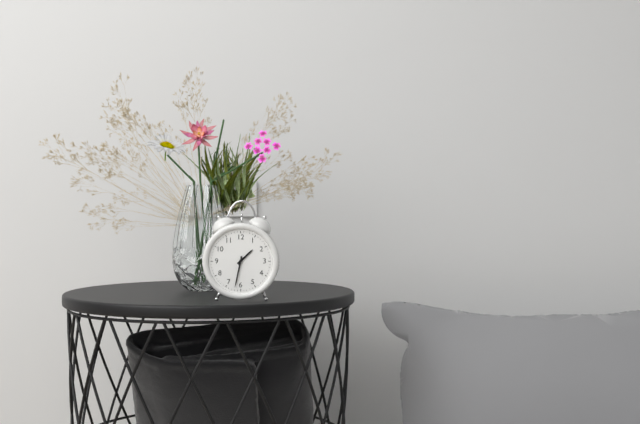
1:32
